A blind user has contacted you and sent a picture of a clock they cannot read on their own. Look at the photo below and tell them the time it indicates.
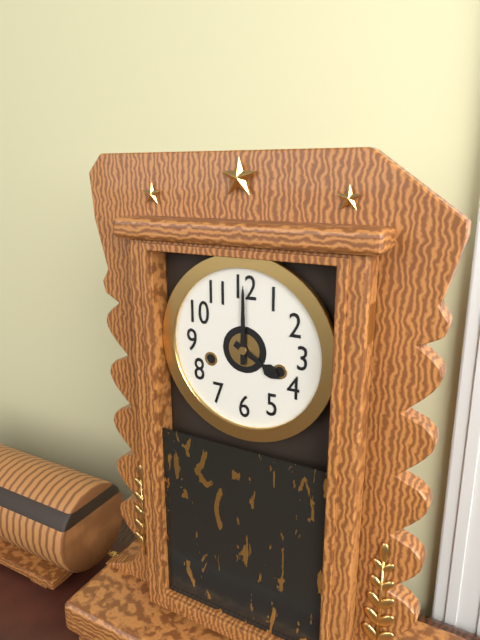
4:00
